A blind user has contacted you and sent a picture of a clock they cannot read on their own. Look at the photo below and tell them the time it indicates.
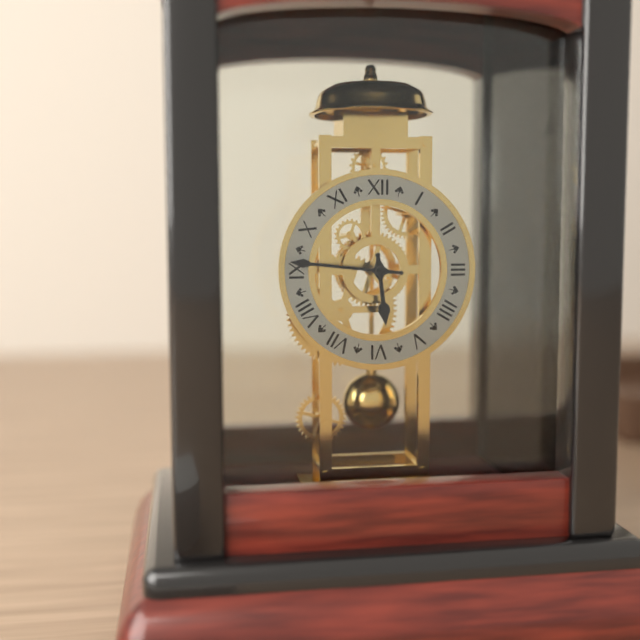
5:46
